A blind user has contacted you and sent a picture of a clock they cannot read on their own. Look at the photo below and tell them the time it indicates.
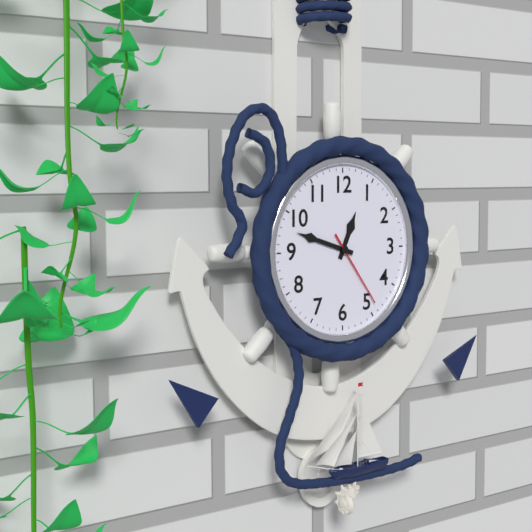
12:48:24
